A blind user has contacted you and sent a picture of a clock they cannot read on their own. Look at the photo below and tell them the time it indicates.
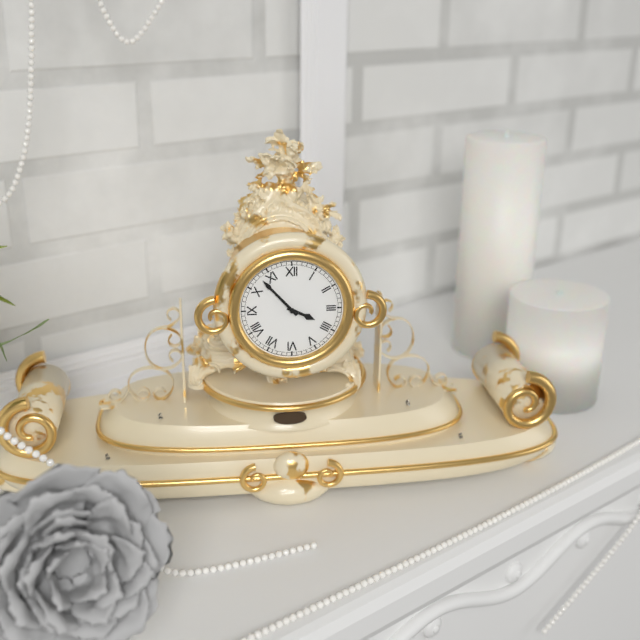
3:53
